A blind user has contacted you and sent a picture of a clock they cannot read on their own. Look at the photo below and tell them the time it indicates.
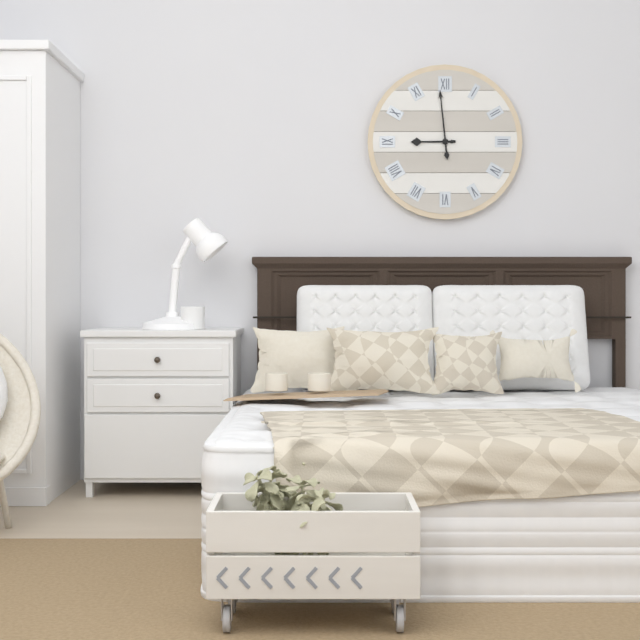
8:59
